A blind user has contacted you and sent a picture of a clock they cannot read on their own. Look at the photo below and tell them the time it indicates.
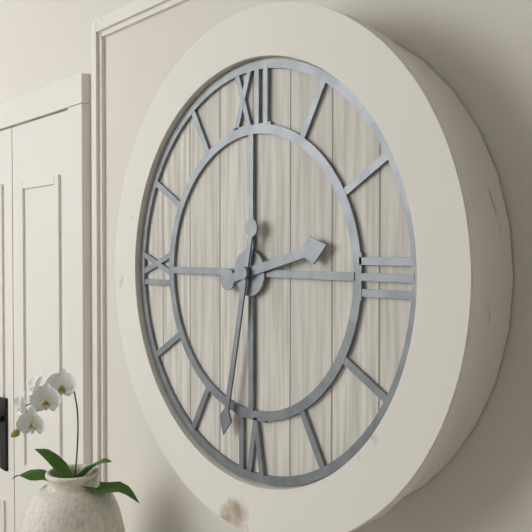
2:32
